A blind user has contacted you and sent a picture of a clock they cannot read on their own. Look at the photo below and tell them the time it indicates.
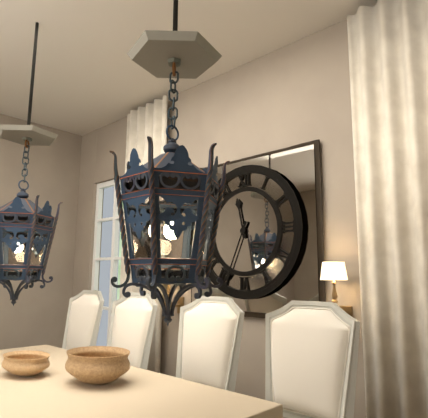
11:34
